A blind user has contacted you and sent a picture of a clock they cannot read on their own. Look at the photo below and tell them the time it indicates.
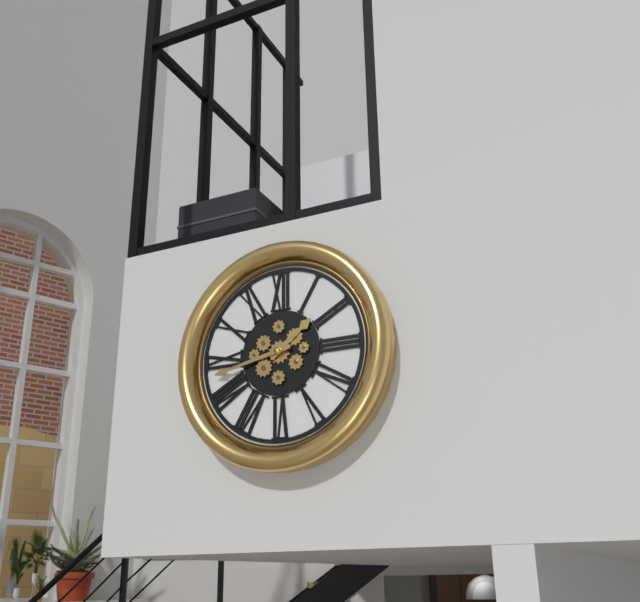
1:43
